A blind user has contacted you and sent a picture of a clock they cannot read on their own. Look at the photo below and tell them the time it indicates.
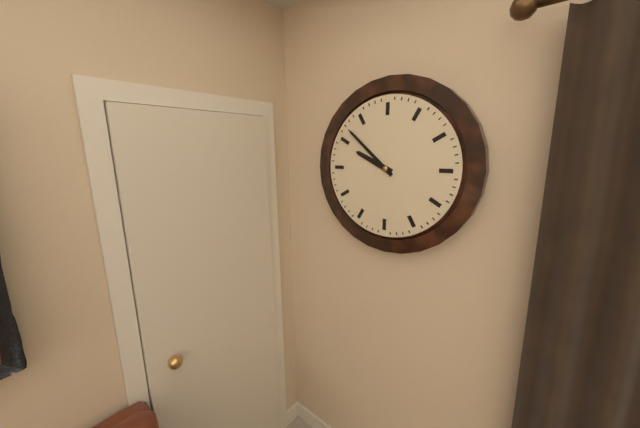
9:52
